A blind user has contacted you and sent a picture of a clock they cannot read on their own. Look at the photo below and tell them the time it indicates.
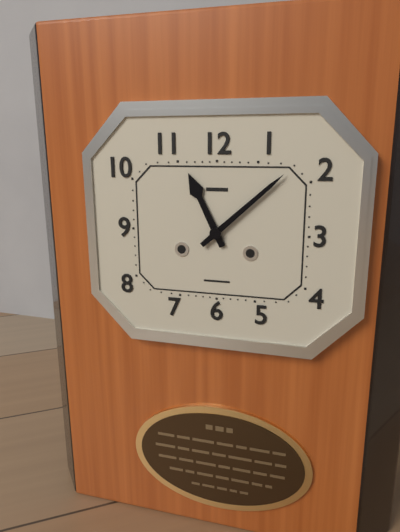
11:08
